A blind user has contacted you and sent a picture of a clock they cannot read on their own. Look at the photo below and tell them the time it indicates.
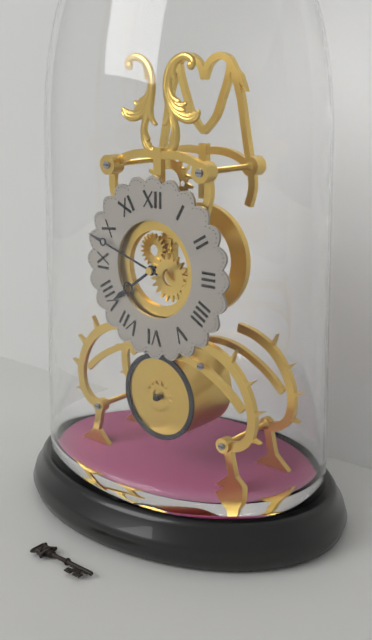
7:48
